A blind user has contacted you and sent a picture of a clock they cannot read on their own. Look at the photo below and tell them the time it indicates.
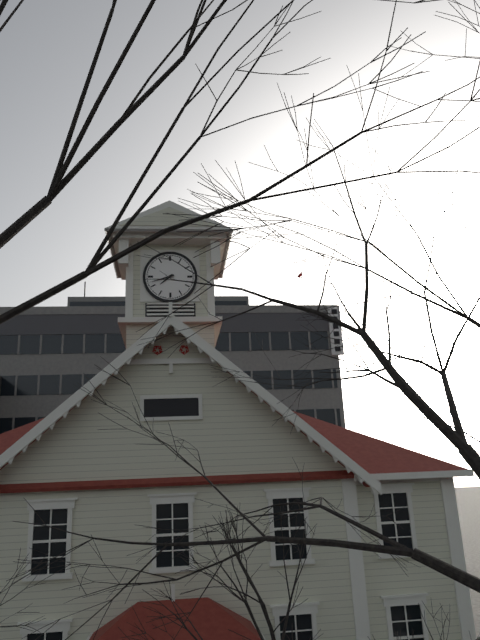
7:42
